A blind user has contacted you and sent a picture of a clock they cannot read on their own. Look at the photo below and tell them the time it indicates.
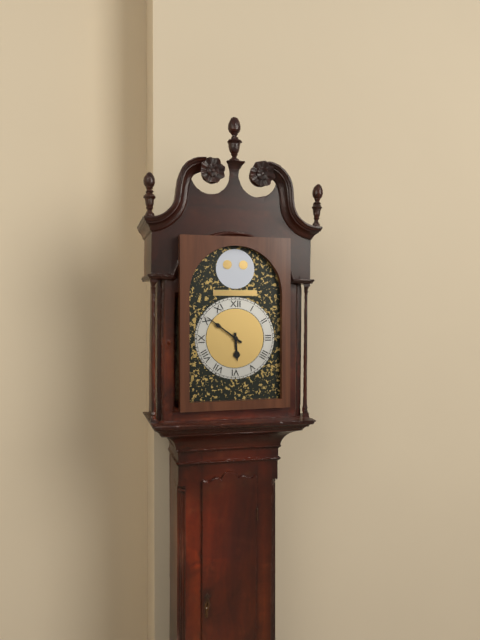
5:51
